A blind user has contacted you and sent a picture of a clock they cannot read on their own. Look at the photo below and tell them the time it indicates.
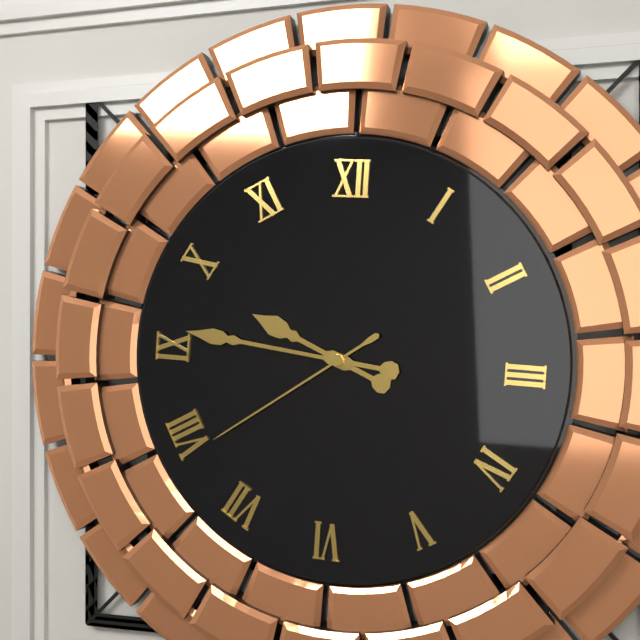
9:46:39
